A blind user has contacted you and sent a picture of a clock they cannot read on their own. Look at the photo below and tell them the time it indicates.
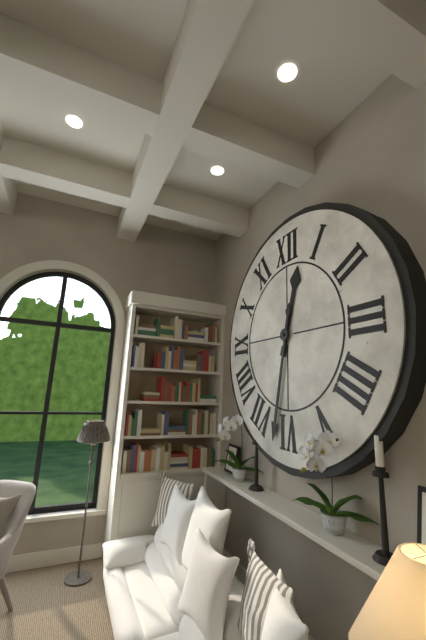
12:32
